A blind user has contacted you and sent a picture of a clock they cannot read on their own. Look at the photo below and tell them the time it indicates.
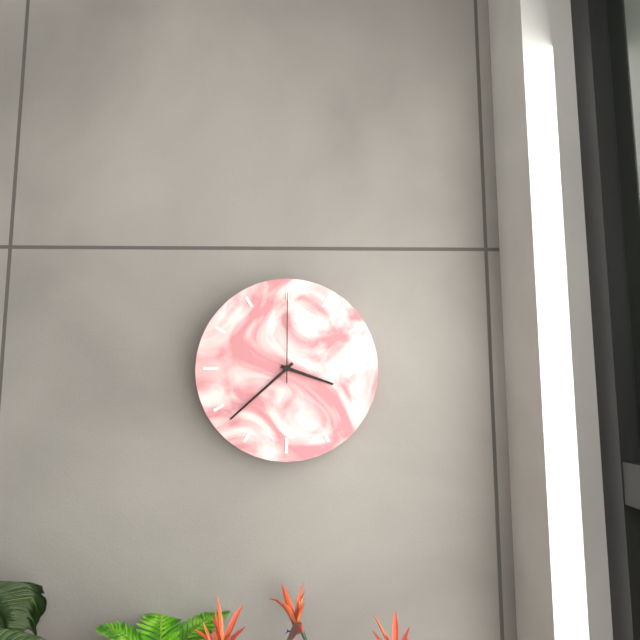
3:38:00
